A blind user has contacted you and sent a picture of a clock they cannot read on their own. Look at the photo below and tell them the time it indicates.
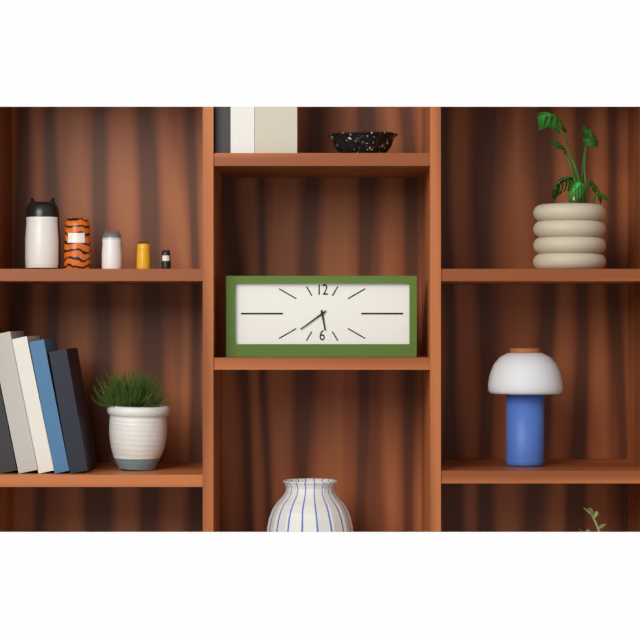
5:39
